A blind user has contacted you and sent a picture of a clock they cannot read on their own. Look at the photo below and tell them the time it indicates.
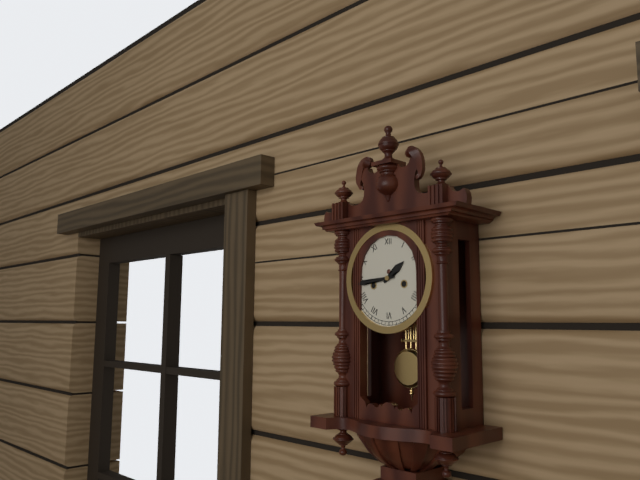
1:44
